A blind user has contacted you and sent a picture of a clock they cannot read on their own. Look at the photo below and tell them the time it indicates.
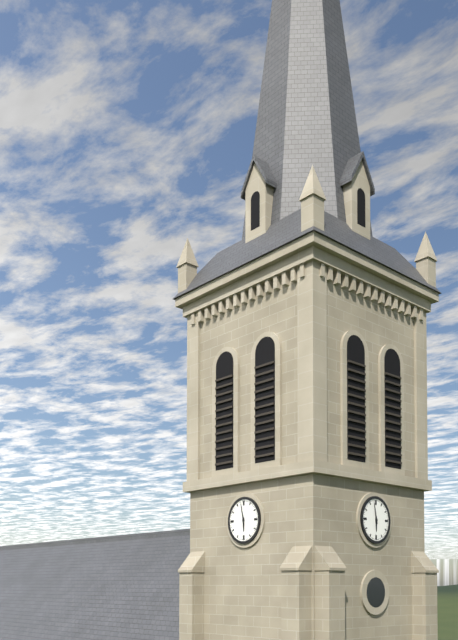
5:58
